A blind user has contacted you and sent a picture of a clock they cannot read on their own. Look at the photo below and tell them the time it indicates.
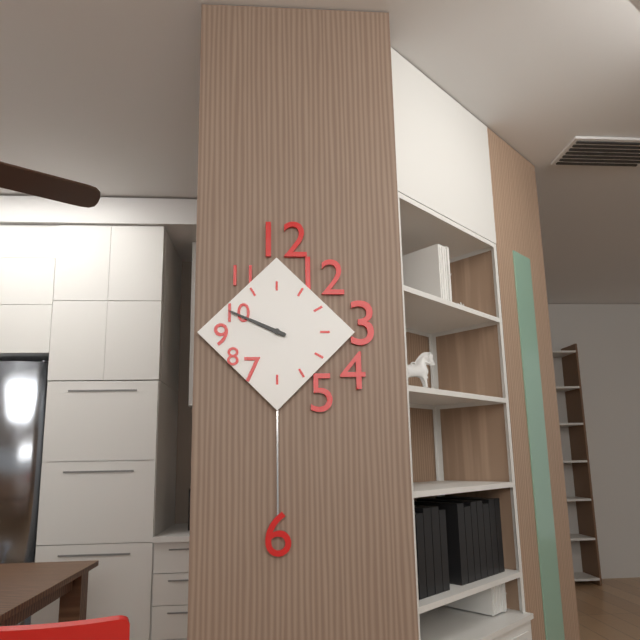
9:49
